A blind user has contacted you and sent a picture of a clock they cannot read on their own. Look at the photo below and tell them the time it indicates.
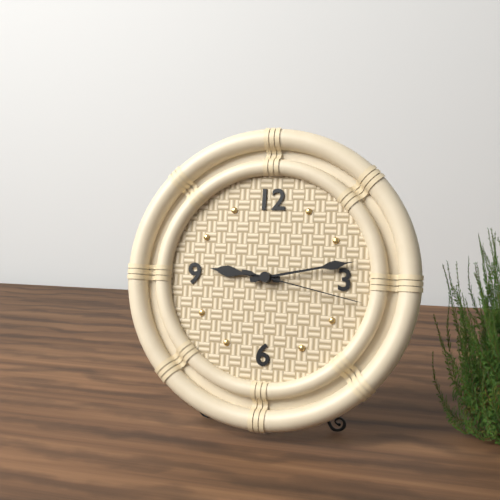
9:13:17
